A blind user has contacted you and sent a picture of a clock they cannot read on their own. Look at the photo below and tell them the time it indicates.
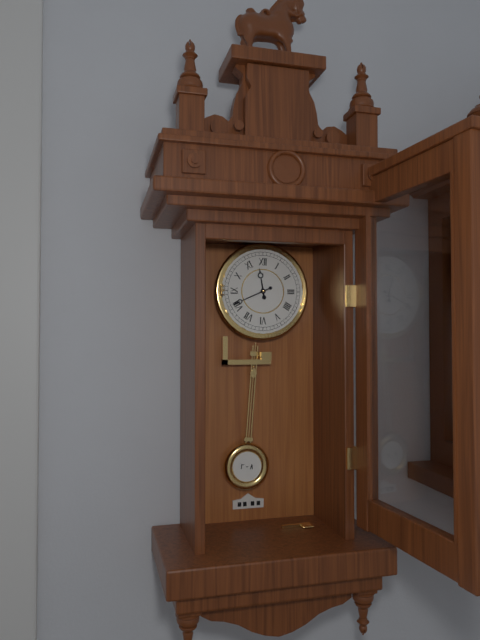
11:41
